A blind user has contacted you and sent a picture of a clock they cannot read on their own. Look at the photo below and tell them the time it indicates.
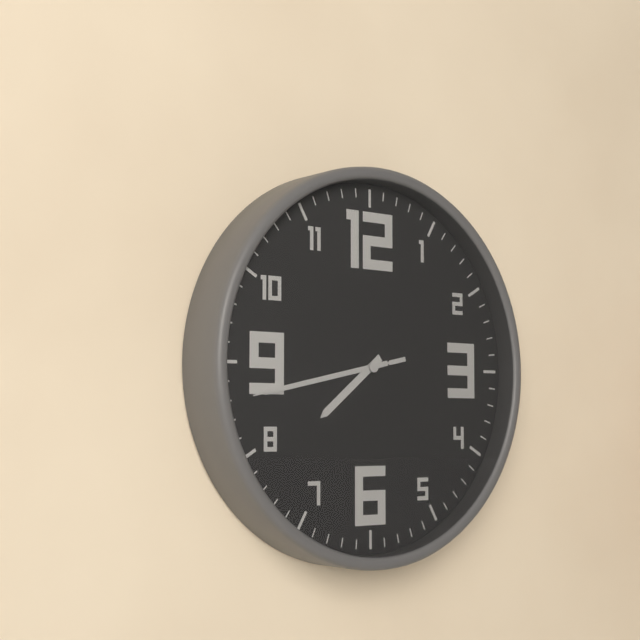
7:43:43
